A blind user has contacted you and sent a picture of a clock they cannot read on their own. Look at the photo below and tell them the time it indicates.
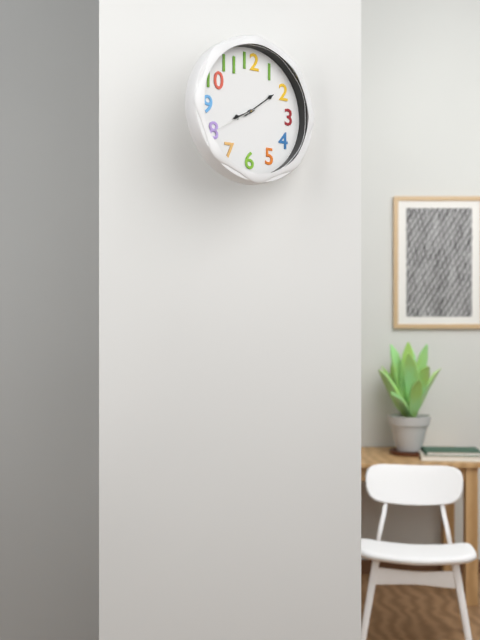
8:09
